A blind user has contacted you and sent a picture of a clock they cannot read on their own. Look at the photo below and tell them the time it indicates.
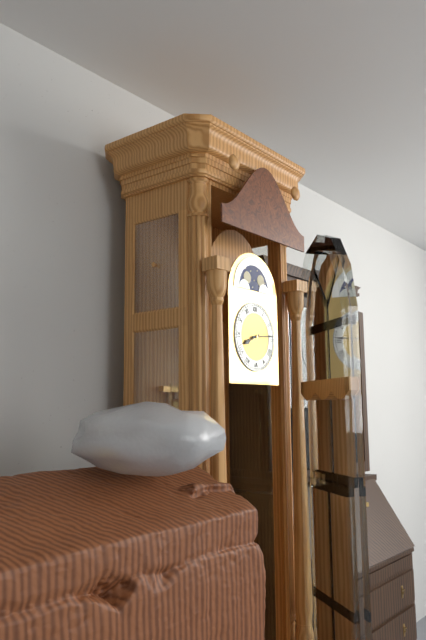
8:14
